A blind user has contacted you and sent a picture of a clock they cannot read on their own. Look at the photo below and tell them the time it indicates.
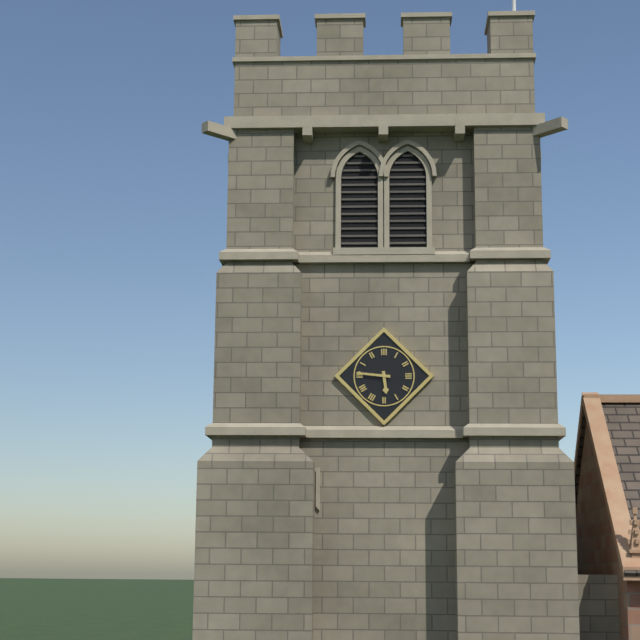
5:46
